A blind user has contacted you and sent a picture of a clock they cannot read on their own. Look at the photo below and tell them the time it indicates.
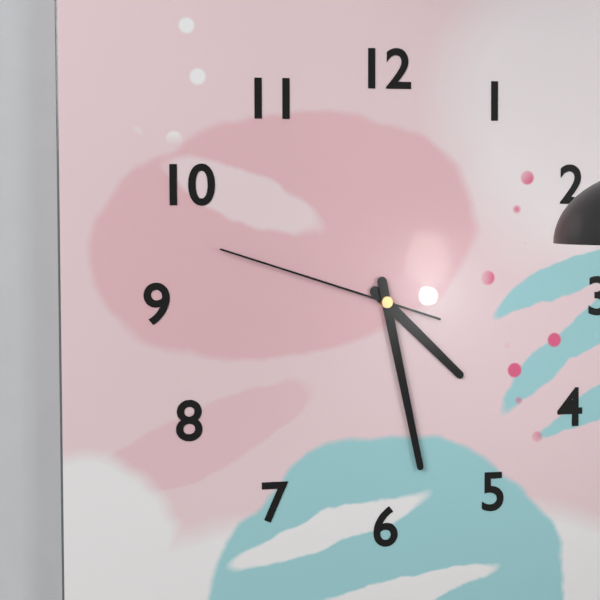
4:28:48
